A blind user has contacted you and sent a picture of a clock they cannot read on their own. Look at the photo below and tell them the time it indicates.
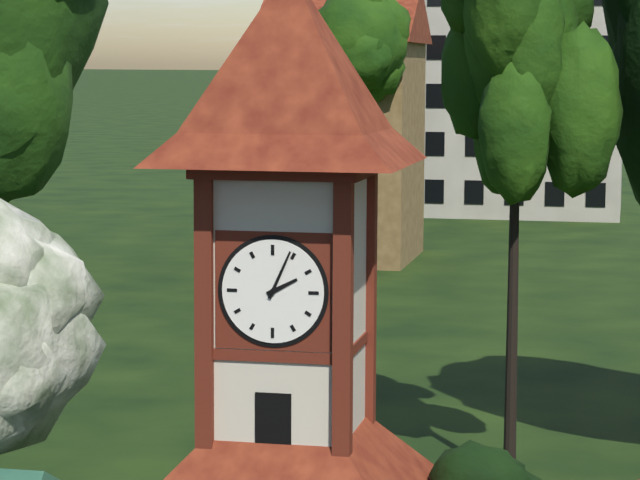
2:04
